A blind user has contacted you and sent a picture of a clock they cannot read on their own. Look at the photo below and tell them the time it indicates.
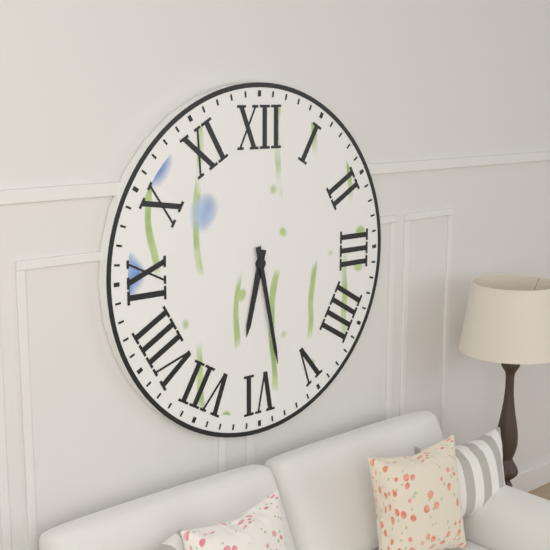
6:28
